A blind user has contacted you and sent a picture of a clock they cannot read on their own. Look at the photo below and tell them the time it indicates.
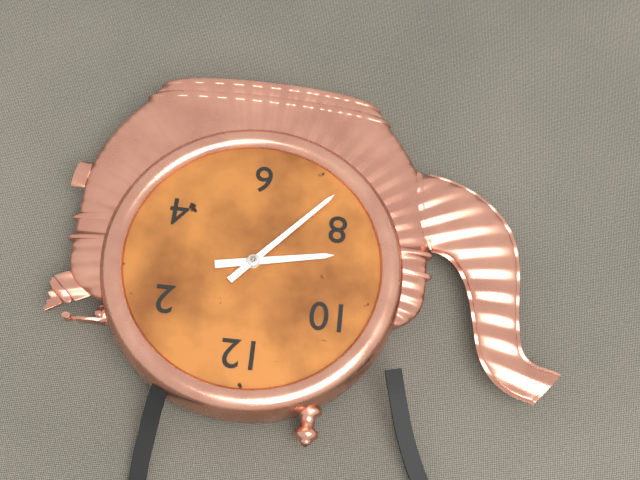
8:37
